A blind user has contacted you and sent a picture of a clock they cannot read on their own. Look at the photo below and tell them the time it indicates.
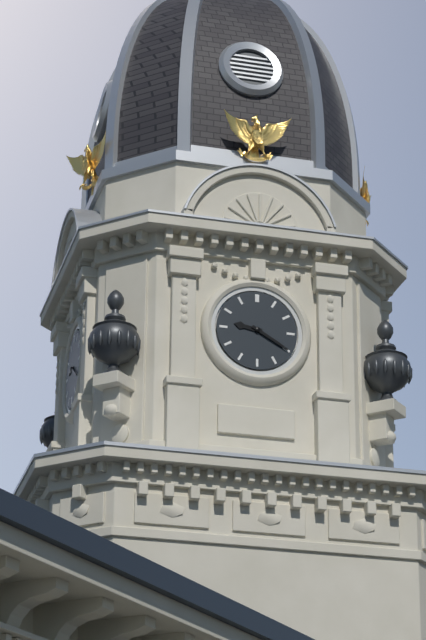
9:20
